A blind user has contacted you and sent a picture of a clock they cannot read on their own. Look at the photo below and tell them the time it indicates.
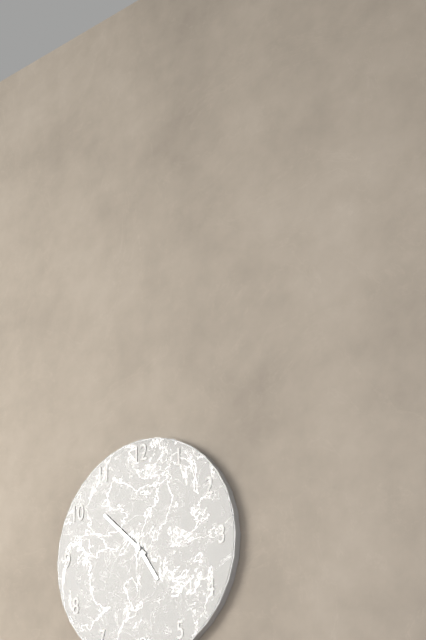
4:52
